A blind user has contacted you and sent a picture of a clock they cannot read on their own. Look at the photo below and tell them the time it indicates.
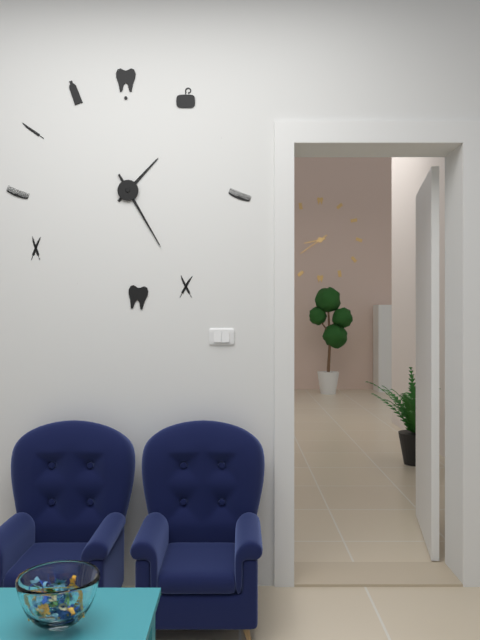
1:25
